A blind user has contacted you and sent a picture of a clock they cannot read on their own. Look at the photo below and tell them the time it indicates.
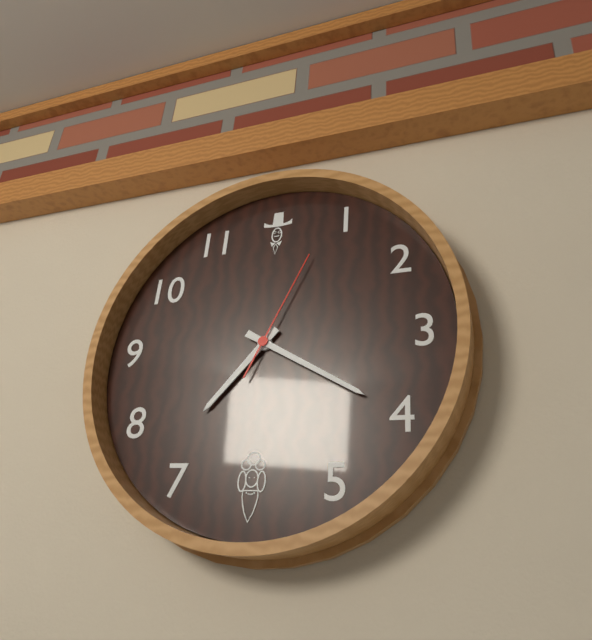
7:20:04
